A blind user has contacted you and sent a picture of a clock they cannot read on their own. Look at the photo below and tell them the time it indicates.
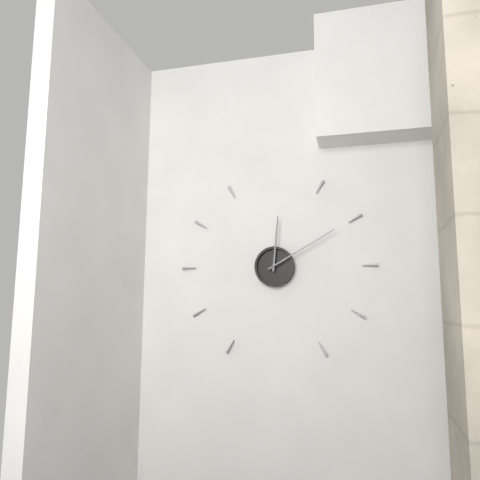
12:10
